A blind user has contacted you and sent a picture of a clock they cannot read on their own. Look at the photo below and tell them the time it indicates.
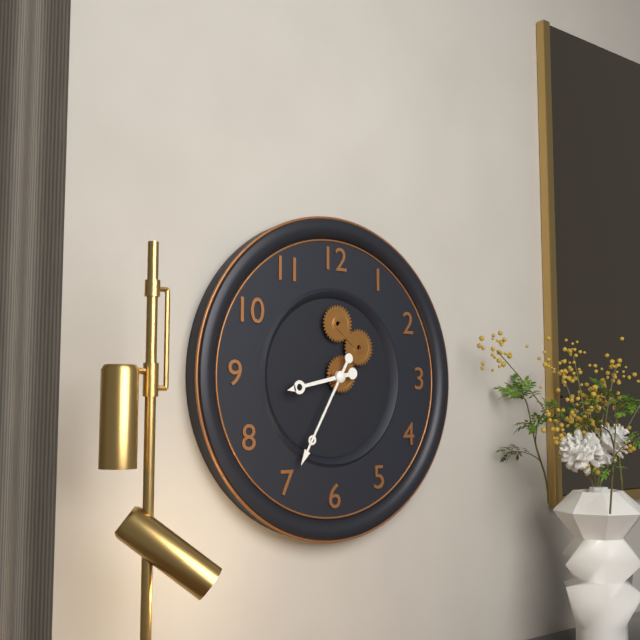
8:35
